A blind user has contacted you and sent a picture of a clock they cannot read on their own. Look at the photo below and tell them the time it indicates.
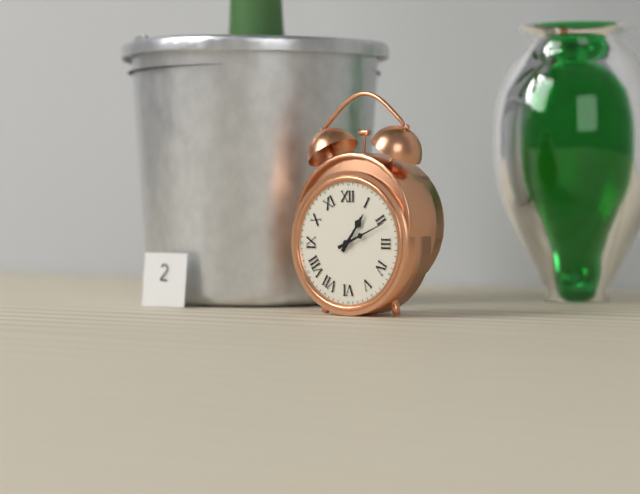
1:11
